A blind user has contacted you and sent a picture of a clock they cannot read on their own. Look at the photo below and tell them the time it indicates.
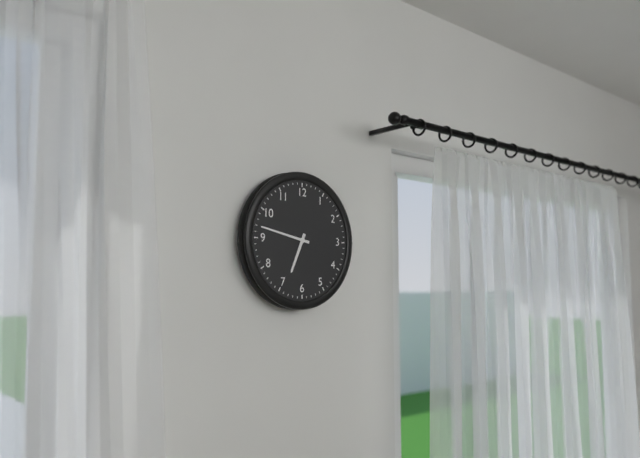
6:47
